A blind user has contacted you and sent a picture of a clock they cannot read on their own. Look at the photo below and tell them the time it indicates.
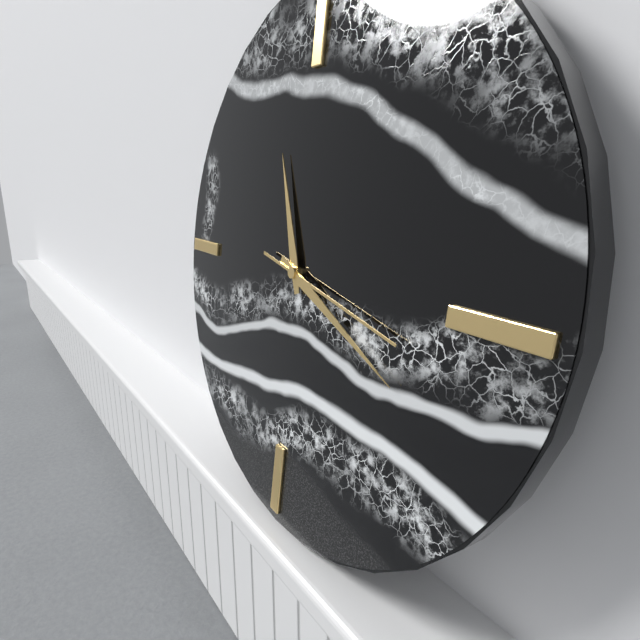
11:19:17
